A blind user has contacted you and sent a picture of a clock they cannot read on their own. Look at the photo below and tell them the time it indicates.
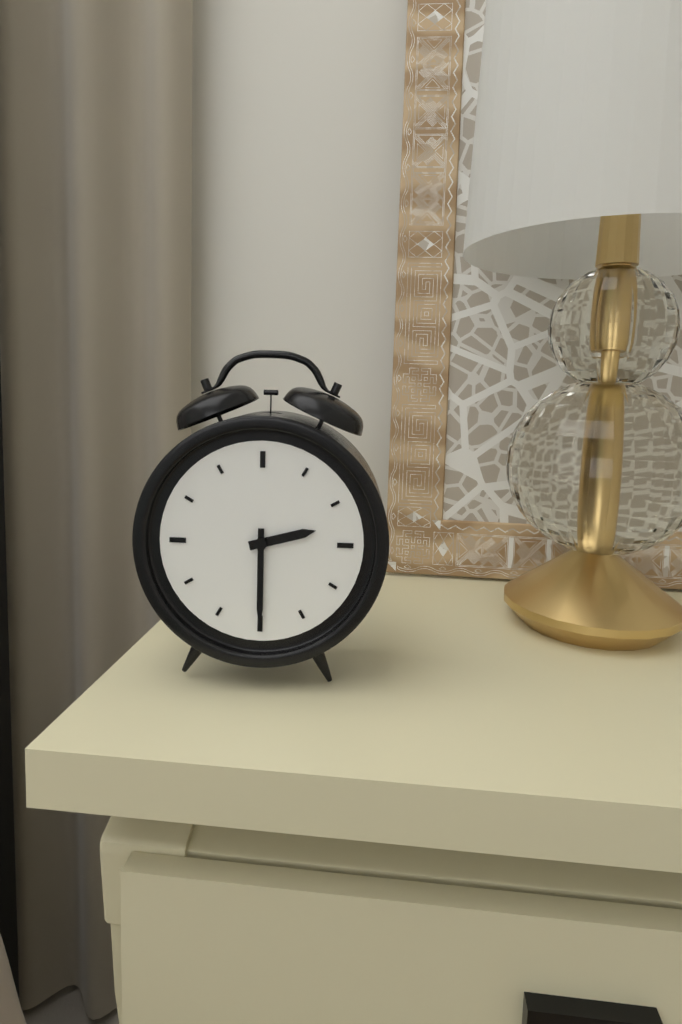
2:30
